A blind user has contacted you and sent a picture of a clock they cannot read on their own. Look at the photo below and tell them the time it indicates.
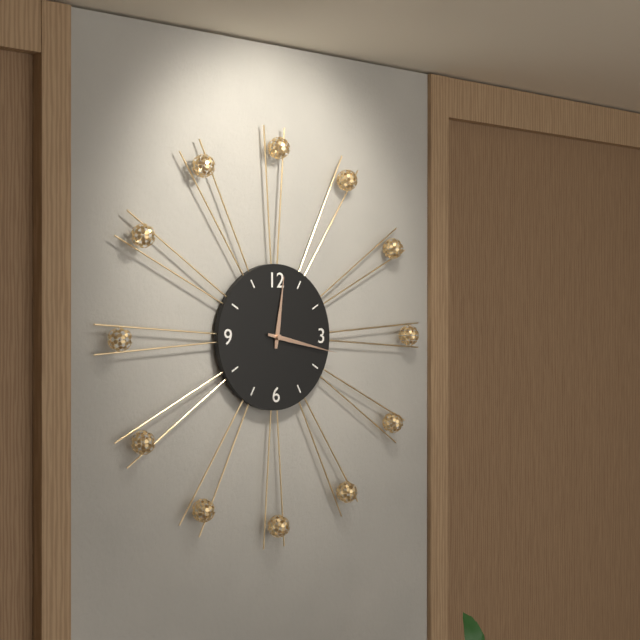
12:17
